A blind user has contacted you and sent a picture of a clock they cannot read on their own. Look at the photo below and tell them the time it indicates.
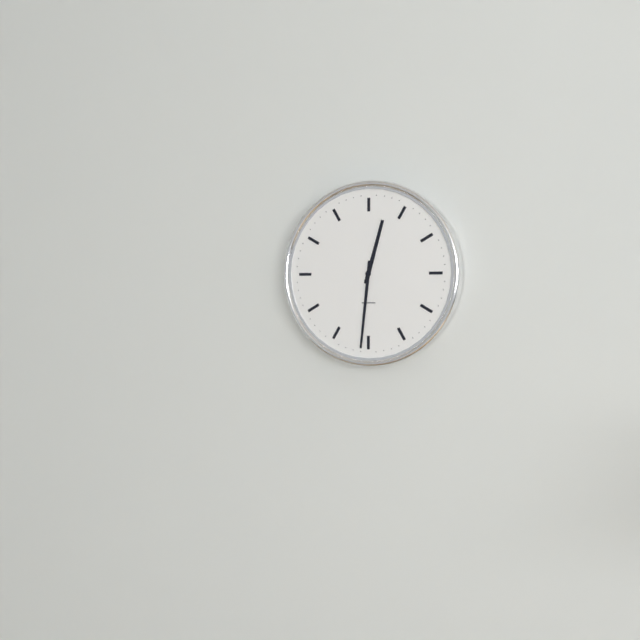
12:31
